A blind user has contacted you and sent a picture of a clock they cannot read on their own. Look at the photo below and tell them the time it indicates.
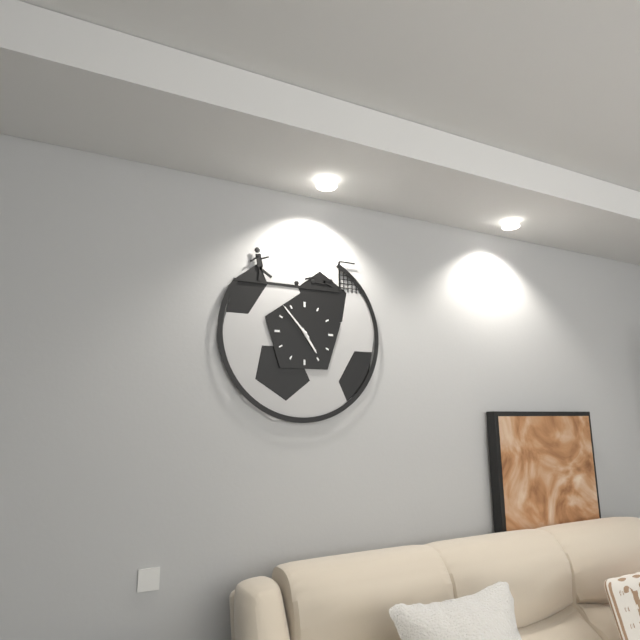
4:53
